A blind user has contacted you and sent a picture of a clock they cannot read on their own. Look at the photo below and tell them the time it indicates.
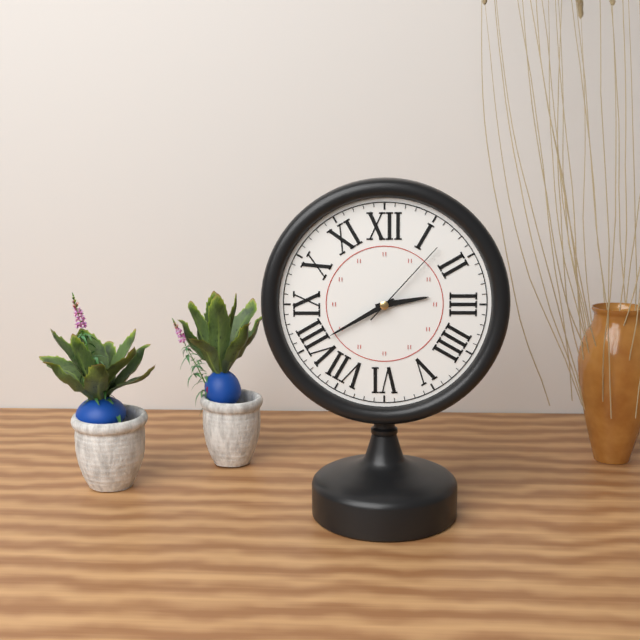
2:40:07
